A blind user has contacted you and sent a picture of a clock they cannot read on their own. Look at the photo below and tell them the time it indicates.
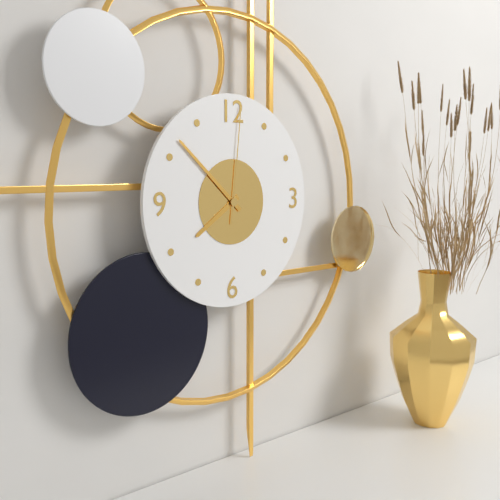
7:52:01
